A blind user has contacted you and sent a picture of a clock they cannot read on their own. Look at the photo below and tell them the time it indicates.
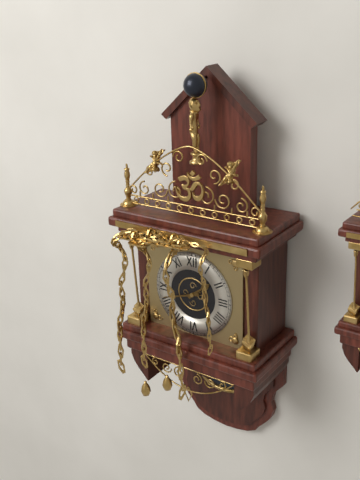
1:42
